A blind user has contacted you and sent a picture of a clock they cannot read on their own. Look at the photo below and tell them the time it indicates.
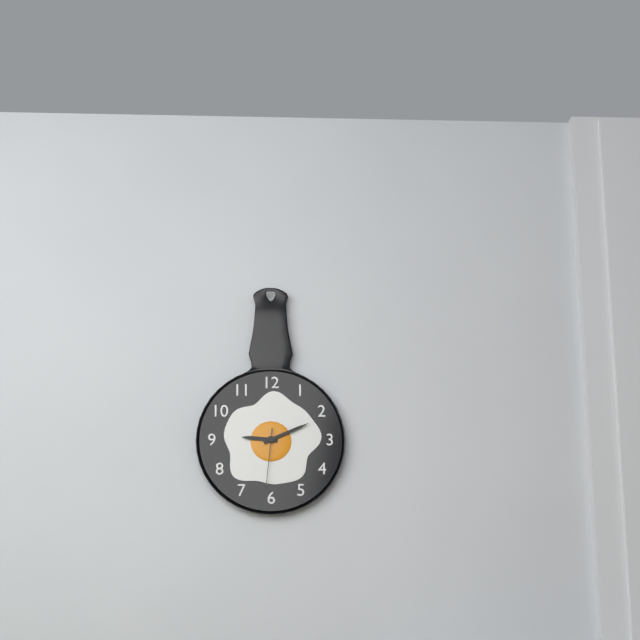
9:11:31
